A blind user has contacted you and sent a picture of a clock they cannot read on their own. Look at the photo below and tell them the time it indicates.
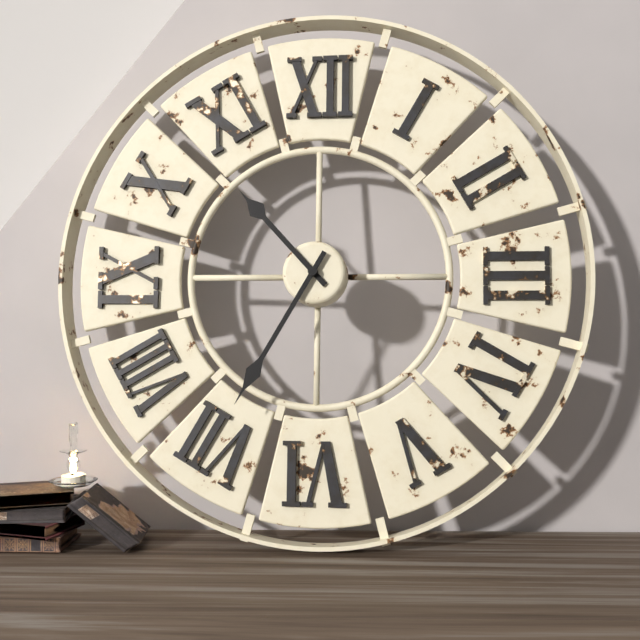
10:35
